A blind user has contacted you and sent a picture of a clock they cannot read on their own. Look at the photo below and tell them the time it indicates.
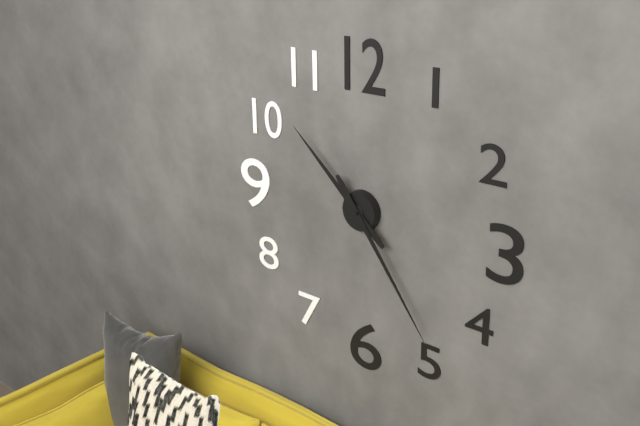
10:24
